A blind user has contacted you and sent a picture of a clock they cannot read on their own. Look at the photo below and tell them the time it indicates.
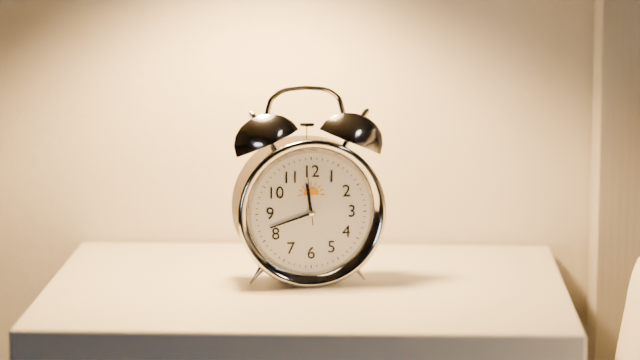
11:42:59
